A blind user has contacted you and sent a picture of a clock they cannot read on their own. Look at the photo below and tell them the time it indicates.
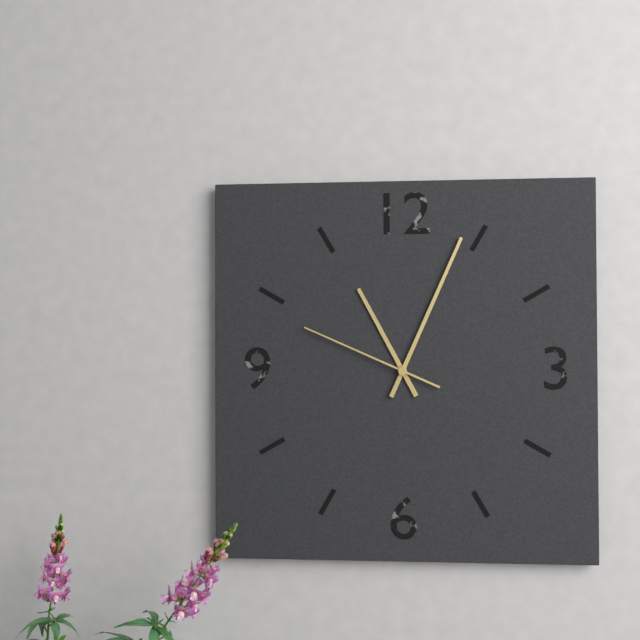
11:04:49
